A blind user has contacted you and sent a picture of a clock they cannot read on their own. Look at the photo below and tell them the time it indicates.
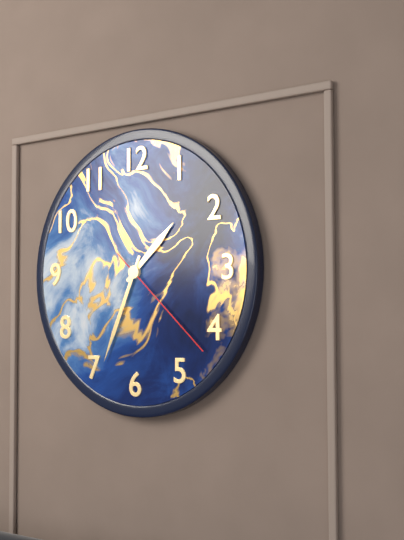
1:34:22
